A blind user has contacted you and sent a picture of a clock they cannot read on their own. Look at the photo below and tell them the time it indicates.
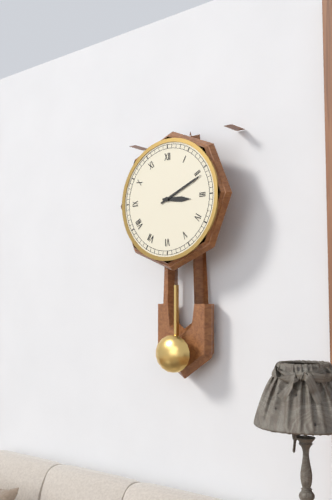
3:11
